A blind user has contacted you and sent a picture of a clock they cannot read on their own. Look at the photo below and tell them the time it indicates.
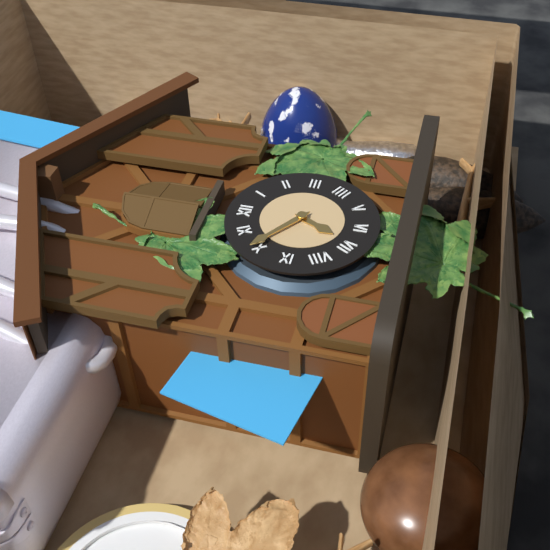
6:51
